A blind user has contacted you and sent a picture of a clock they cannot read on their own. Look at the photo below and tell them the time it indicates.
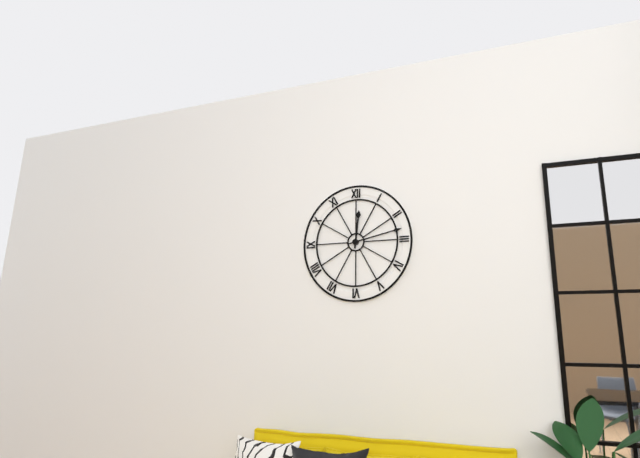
12:13
